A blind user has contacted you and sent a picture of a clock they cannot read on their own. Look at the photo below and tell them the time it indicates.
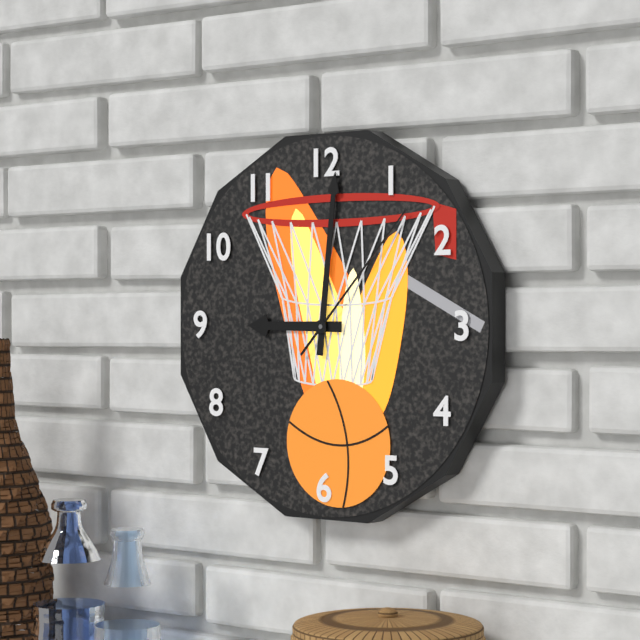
9:01:07
